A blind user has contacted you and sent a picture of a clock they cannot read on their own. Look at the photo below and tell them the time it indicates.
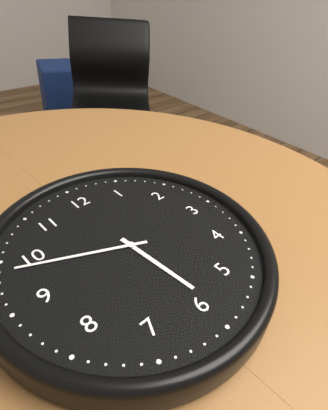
5:49
